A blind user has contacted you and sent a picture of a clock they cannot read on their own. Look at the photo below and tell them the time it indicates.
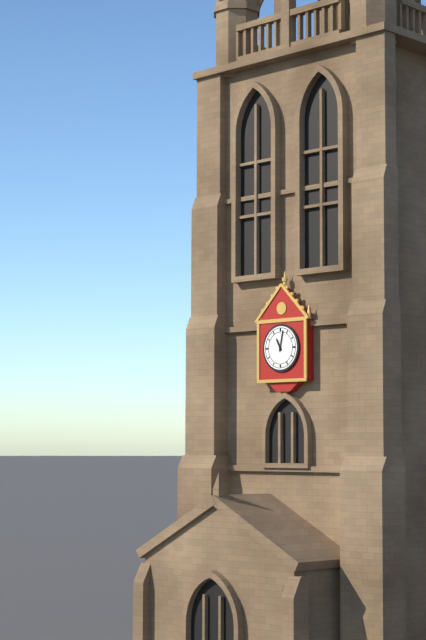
11:02
